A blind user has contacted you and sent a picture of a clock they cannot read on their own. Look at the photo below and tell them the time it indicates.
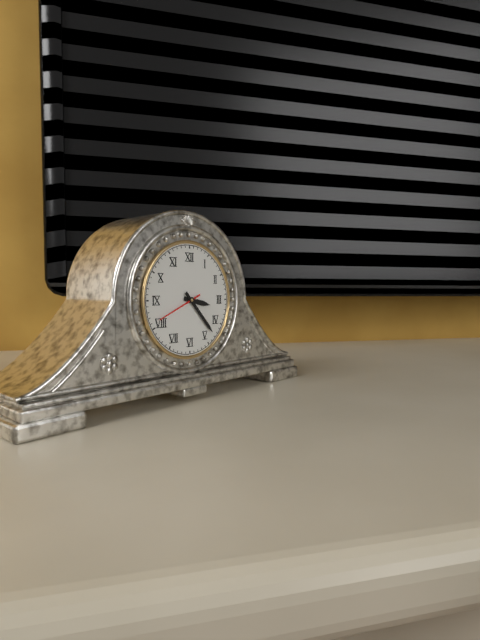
3:23
